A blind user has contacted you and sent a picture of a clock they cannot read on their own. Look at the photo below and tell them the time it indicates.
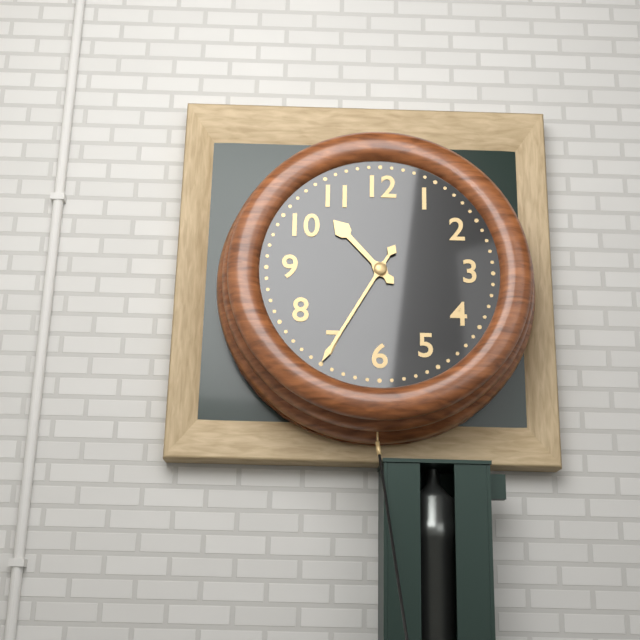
10:35
